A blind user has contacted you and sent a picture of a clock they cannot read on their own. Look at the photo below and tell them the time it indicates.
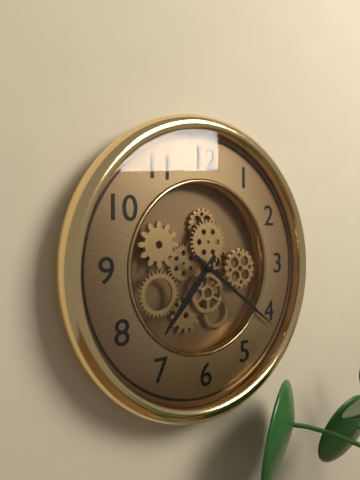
7:21
